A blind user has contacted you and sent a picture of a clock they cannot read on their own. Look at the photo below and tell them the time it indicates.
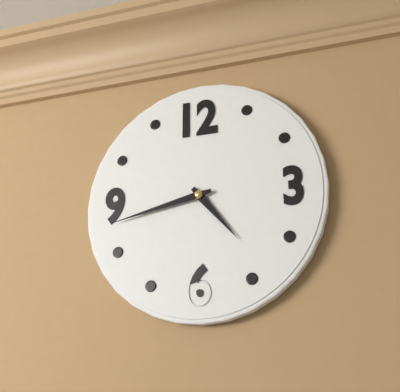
4:43
